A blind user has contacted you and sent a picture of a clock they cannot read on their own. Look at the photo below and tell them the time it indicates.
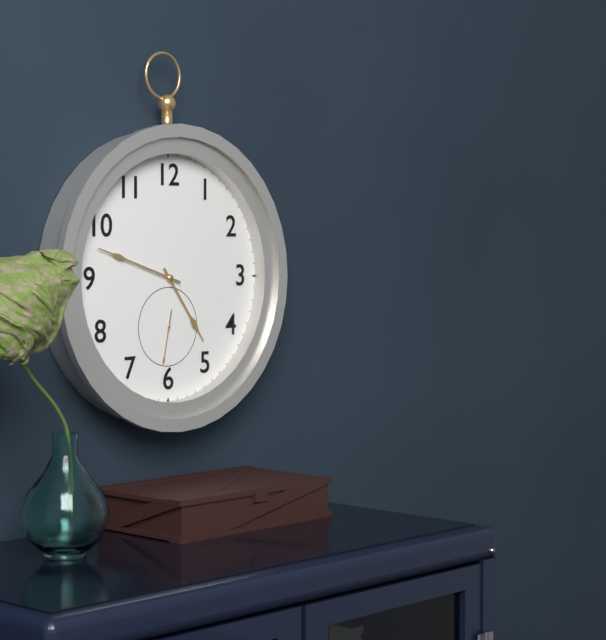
4:48
